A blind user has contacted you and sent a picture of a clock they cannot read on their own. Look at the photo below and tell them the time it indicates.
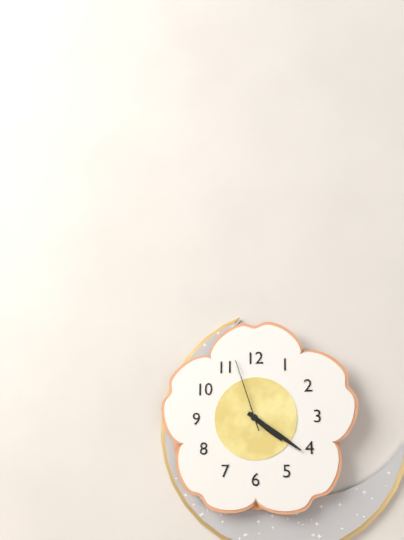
4:21:57
